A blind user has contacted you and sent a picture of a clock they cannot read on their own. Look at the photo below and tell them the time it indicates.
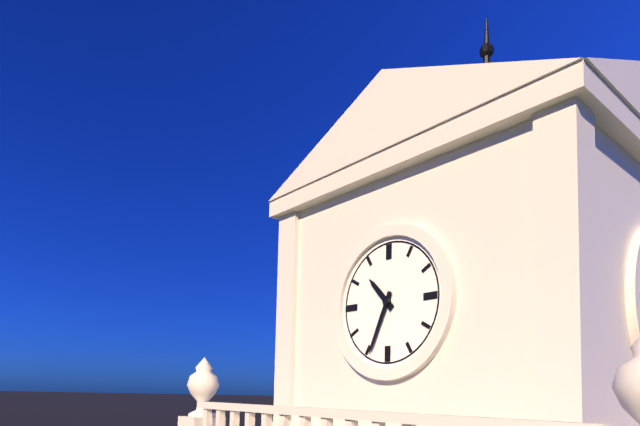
10:34
